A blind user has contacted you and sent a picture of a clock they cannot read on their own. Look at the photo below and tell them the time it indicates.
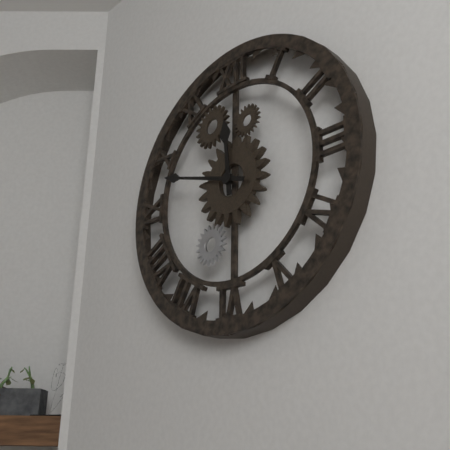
11:48
